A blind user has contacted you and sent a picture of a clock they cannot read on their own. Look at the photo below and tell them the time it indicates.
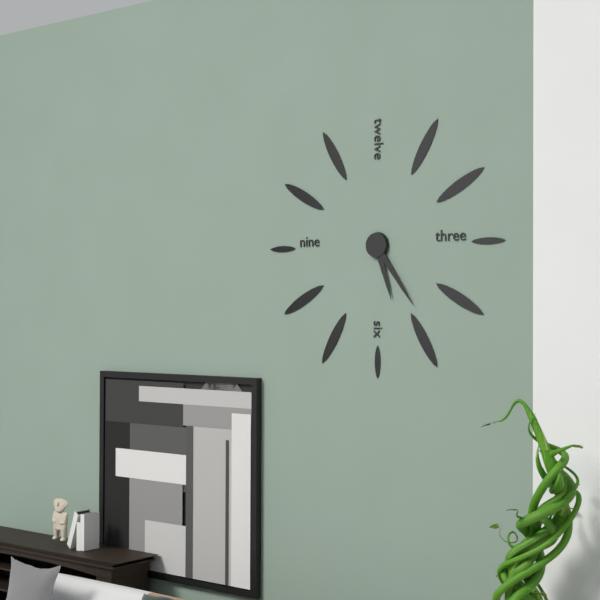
5:24
